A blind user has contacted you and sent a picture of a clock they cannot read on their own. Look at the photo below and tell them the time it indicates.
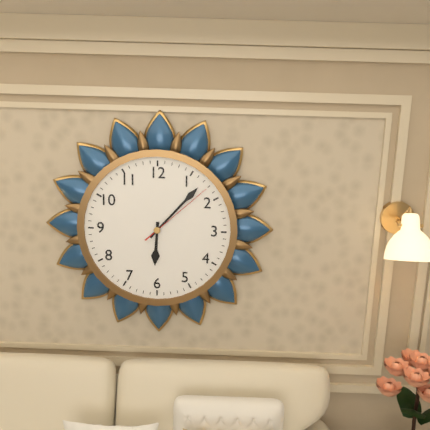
6:07:08
